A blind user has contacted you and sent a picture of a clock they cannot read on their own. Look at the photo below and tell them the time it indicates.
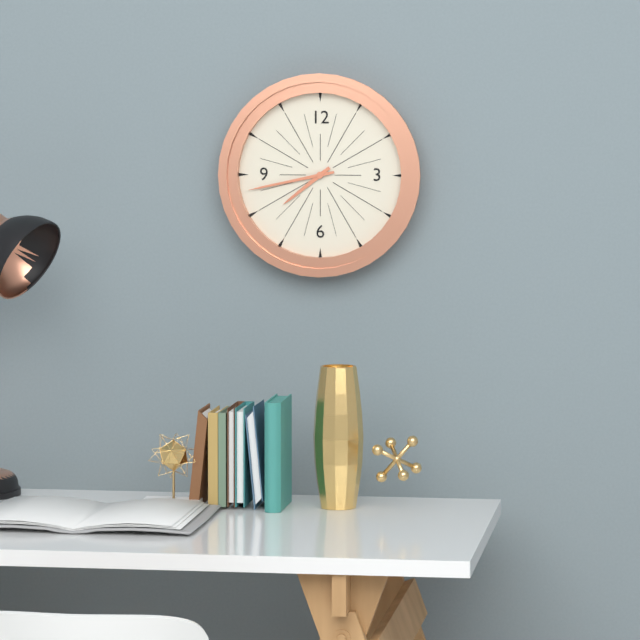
7:43
